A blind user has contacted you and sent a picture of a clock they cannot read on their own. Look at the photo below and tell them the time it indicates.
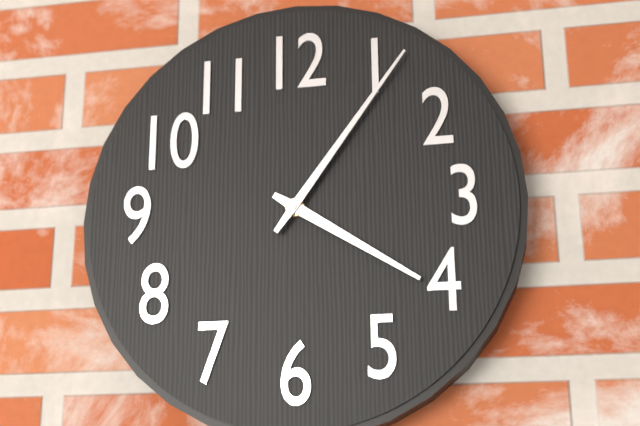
4:06
